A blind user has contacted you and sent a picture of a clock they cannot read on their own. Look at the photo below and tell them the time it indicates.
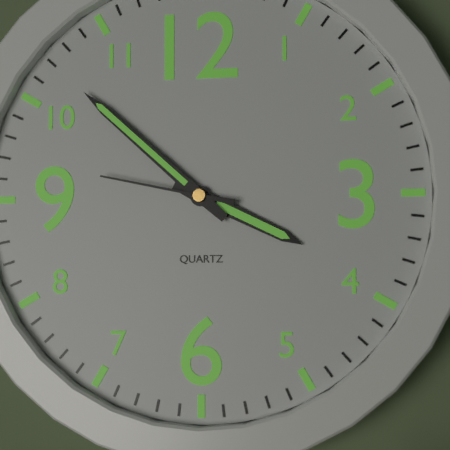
3:52:47
